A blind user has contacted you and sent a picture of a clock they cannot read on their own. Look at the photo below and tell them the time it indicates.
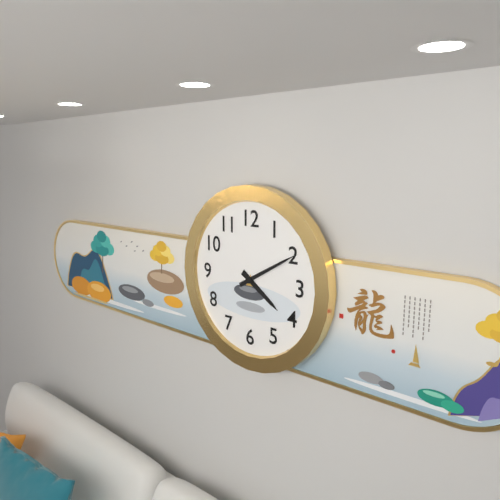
4:10
